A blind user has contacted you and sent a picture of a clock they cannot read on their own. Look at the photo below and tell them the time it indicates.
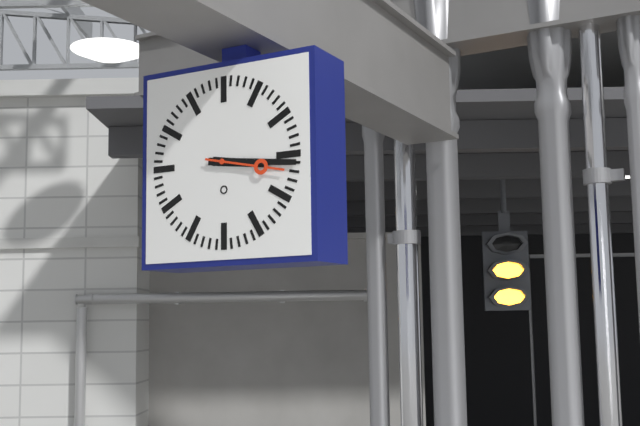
3:16:17
